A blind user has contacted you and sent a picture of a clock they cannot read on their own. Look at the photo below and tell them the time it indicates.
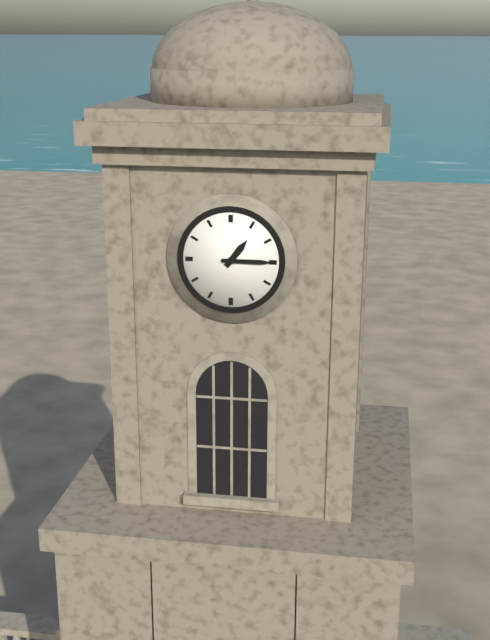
1:15
